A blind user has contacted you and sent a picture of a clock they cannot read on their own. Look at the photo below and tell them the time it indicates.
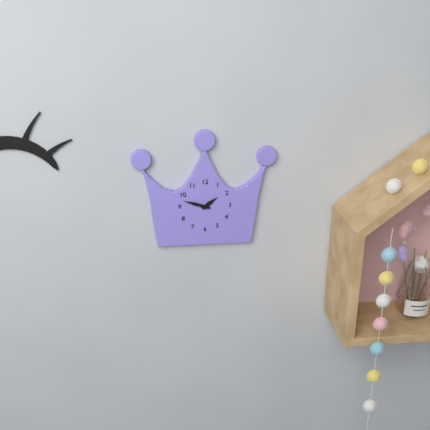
1:48
